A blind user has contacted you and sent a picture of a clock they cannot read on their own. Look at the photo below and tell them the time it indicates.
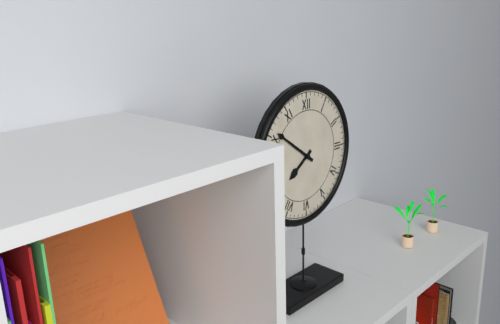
7:51
